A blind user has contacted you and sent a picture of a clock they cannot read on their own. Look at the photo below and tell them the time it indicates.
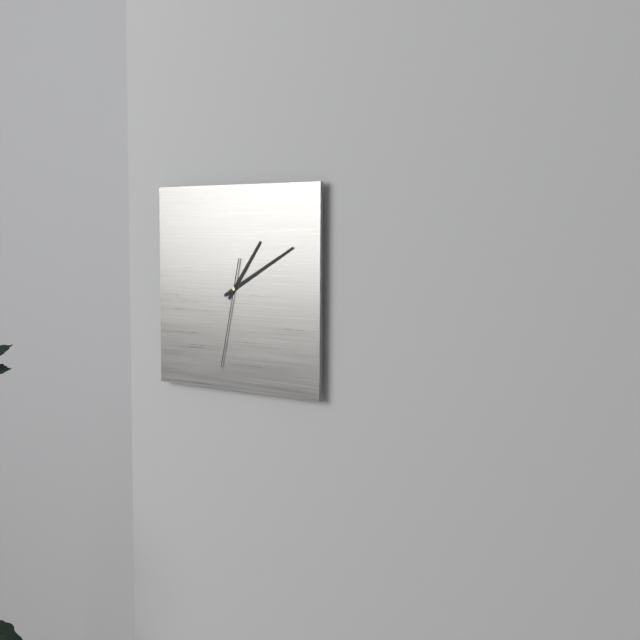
1:10:32
